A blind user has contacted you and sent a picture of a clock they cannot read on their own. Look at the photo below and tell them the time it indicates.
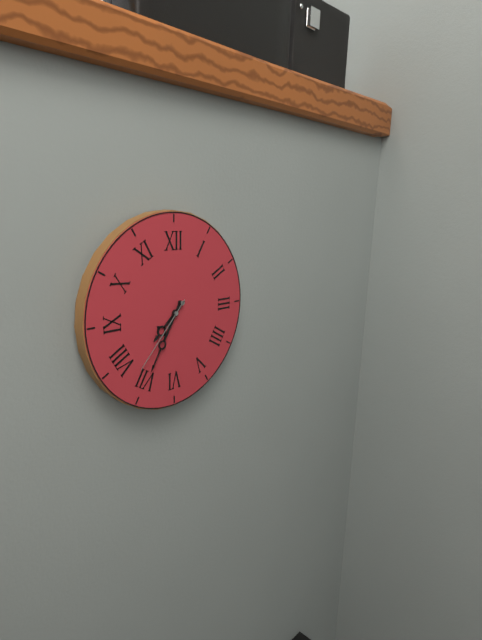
7:35:37
